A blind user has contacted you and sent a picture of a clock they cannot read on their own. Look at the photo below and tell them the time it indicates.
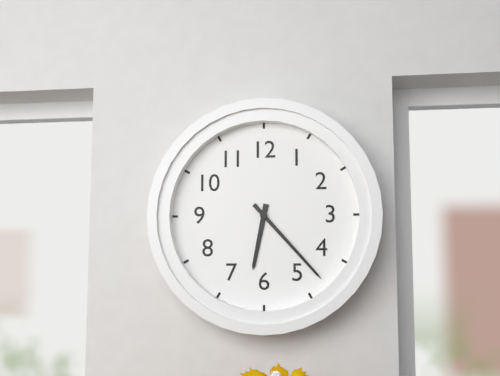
6:23
